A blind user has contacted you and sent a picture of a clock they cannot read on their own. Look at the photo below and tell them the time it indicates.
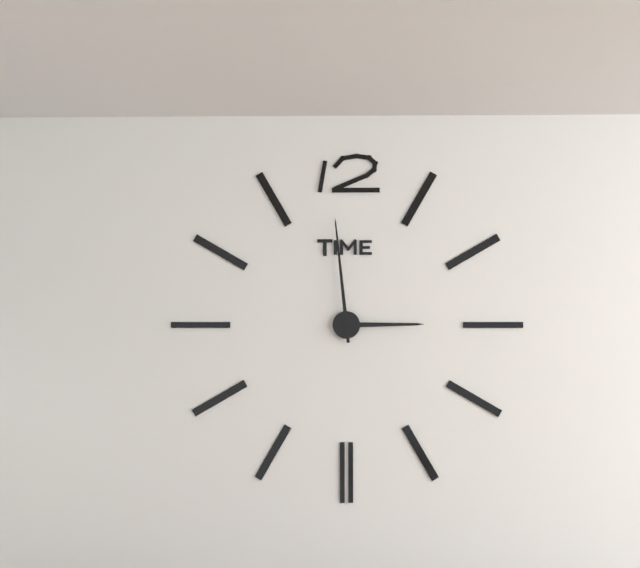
2:59
